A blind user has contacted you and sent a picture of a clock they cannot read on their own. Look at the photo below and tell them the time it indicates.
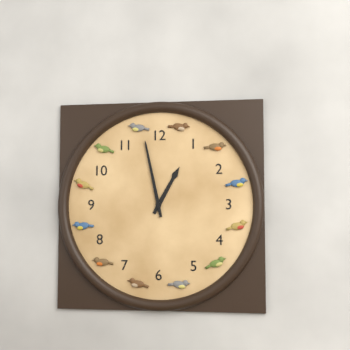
12:58
